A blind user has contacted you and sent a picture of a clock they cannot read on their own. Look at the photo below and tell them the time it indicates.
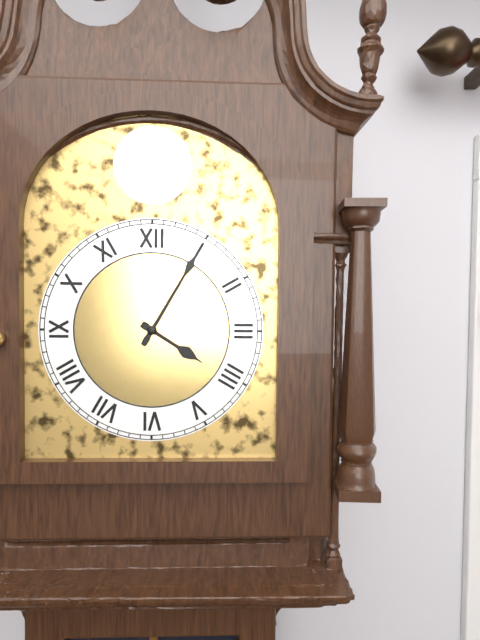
4:05
